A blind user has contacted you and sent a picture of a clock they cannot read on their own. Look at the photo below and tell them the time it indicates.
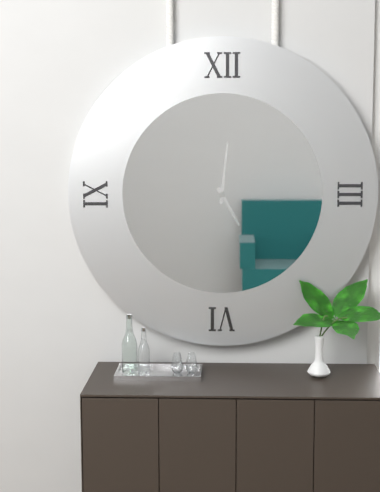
5:01
